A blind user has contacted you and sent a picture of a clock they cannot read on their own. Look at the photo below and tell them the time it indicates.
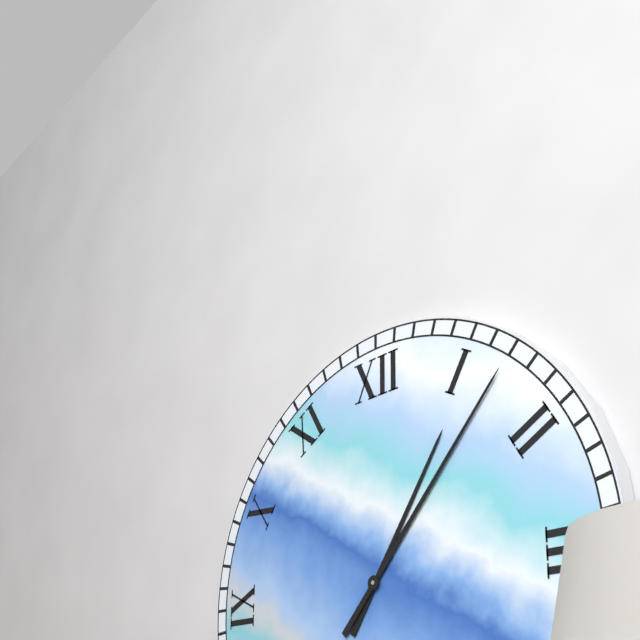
1:07
